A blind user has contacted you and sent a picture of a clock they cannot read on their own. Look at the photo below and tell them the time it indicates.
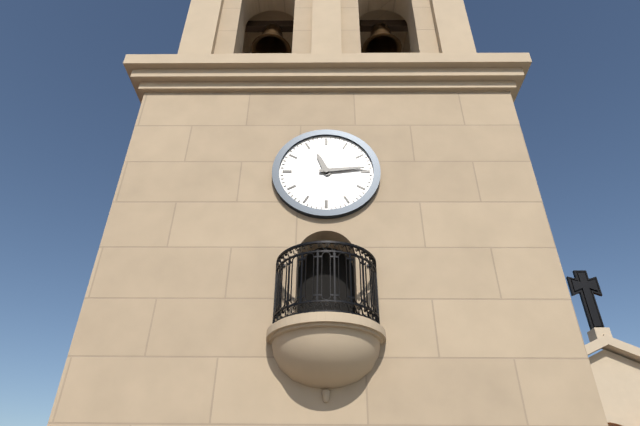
11:14
